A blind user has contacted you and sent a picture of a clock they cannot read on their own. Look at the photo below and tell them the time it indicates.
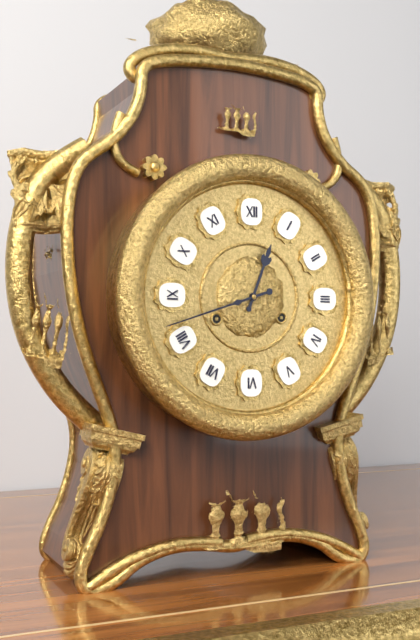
12:42
